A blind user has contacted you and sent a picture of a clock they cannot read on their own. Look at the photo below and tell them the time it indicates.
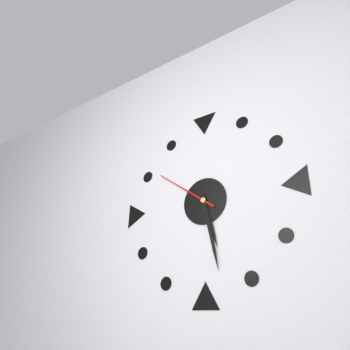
5:28:51
